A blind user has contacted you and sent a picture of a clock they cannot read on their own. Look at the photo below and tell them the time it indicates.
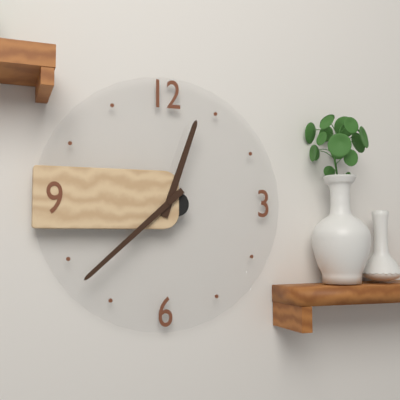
12:38
